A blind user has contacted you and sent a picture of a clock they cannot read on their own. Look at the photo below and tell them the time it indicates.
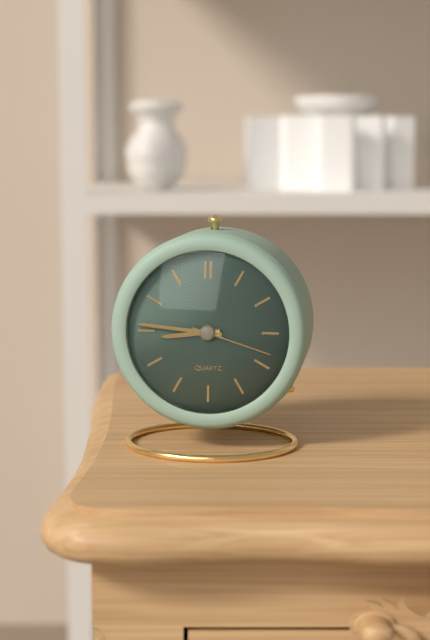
8:46:18
